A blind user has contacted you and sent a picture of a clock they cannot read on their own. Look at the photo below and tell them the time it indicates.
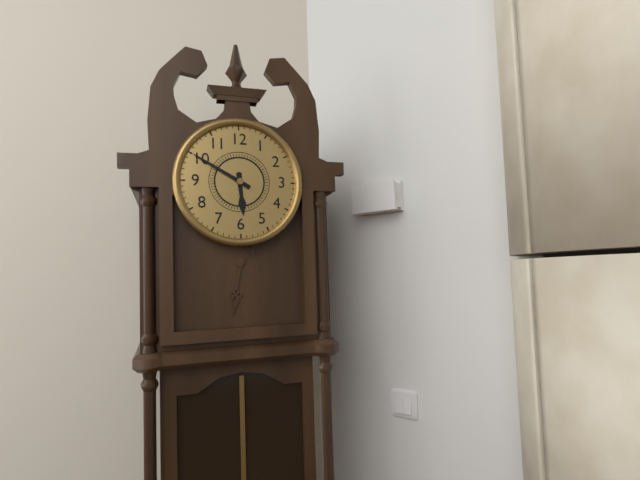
5:50
